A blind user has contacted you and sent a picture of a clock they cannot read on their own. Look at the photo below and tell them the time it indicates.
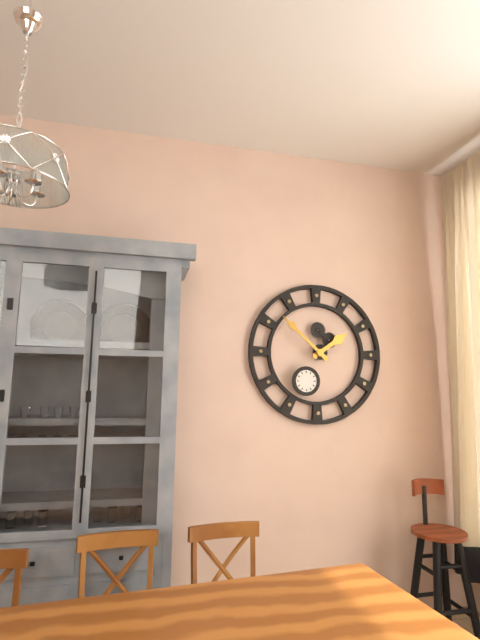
1:52
